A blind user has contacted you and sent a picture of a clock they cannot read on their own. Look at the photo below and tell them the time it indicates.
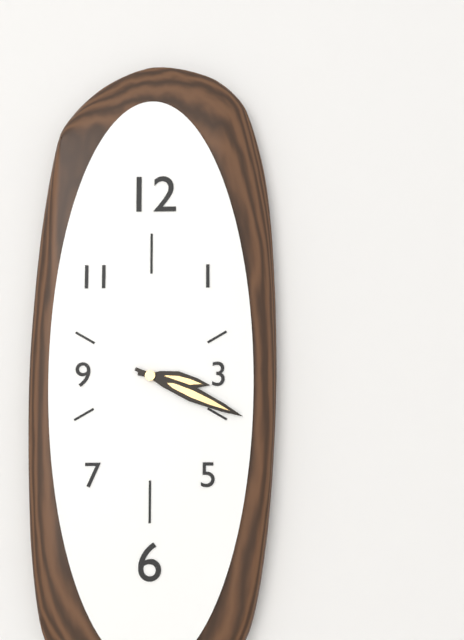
3:19
